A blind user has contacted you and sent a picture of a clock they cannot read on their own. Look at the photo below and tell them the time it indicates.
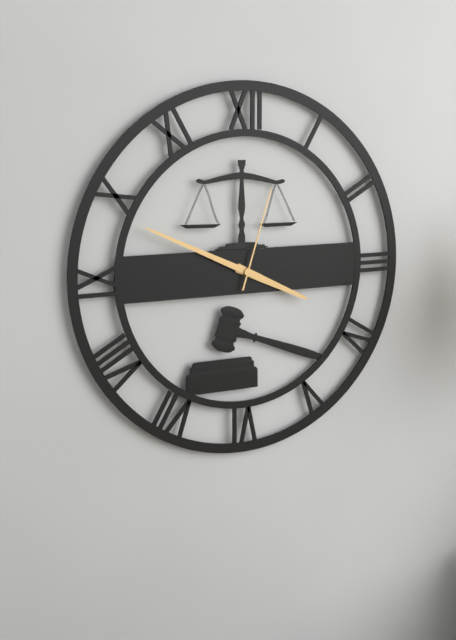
3:49:03
